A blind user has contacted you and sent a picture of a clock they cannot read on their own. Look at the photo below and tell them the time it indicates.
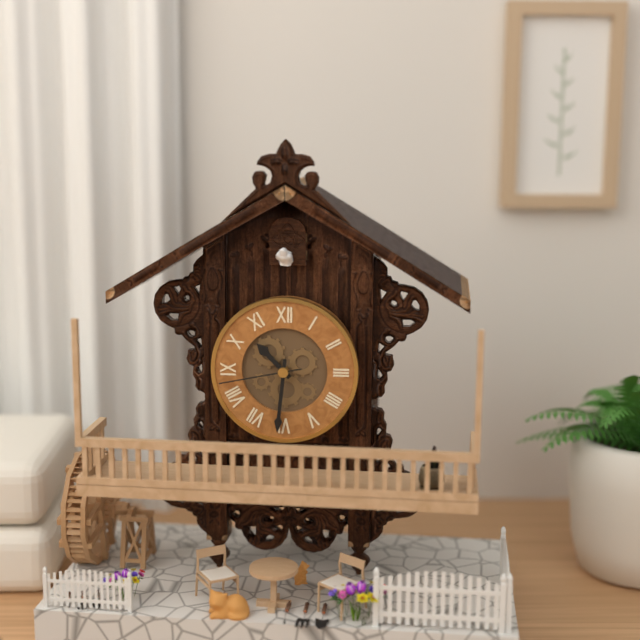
10:31:43
